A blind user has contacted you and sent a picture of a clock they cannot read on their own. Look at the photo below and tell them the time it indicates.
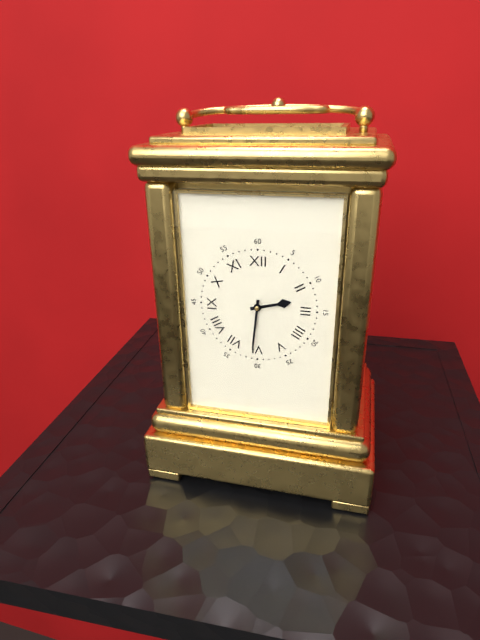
2:31
